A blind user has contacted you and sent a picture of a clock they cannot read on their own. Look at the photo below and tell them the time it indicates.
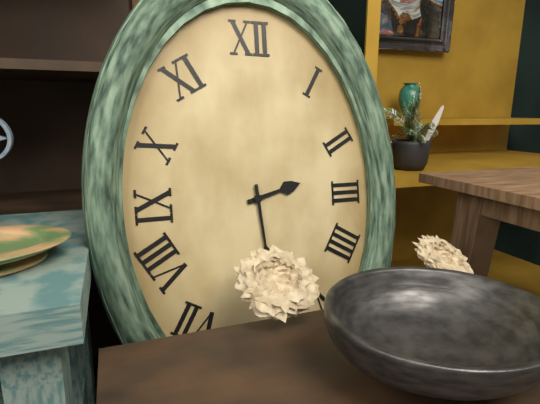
2:29
